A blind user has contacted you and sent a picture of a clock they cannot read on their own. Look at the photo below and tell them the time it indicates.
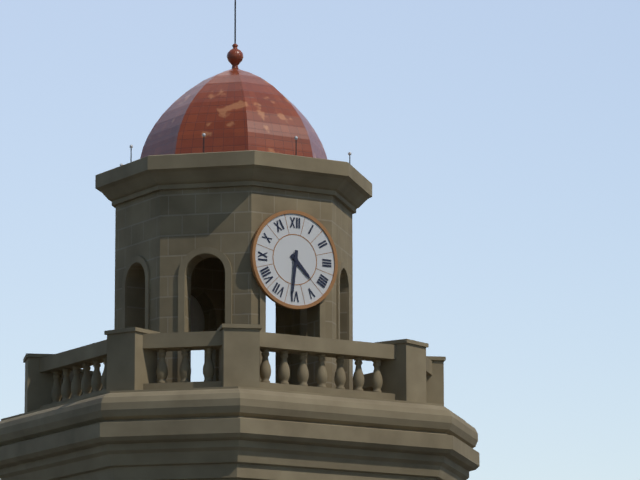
4:31
